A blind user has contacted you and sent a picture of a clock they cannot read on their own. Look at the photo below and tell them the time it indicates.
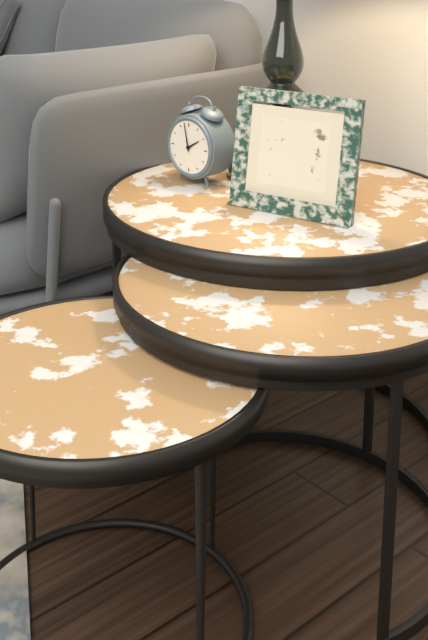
1:58
